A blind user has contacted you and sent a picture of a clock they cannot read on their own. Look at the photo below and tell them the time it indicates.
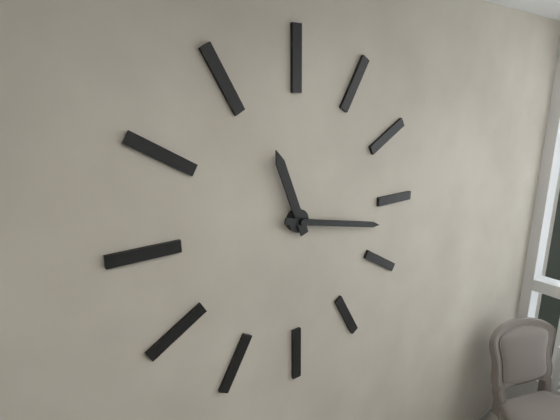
11:17
